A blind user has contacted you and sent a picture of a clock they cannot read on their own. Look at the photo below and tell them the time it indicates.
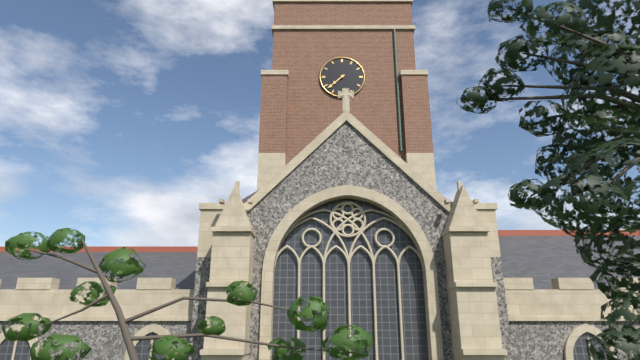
7:38
